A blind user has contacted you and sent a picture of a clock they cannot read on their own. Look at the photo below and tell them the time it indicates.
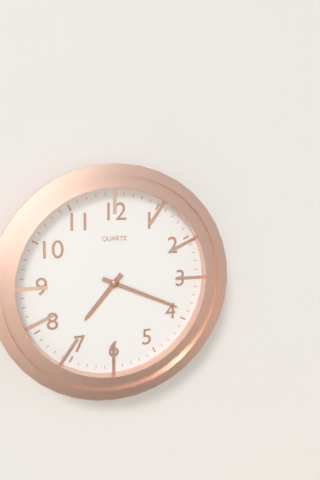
7:19
